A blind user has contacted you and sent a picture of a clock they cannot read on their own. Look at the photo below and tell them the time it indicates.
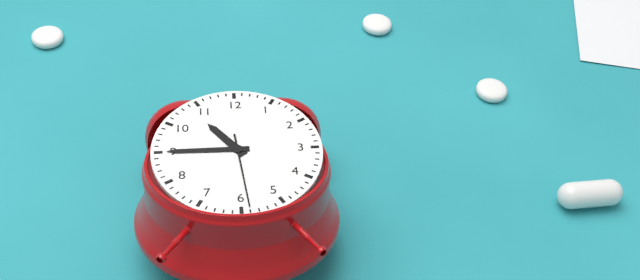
10:45:29
